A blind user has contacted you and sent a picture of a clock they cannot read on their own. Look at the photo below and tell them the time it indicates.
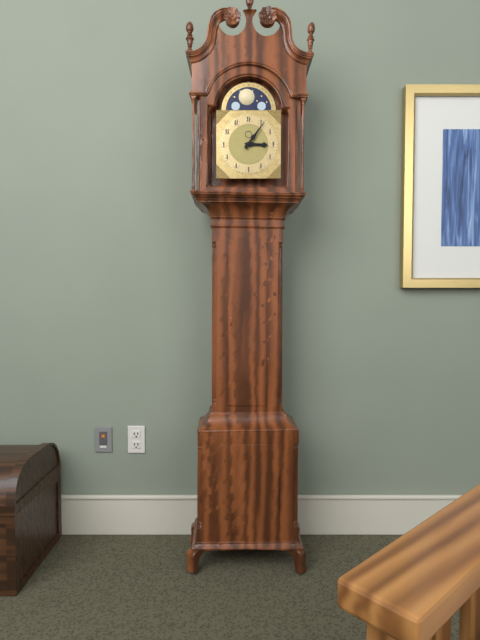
3:06
